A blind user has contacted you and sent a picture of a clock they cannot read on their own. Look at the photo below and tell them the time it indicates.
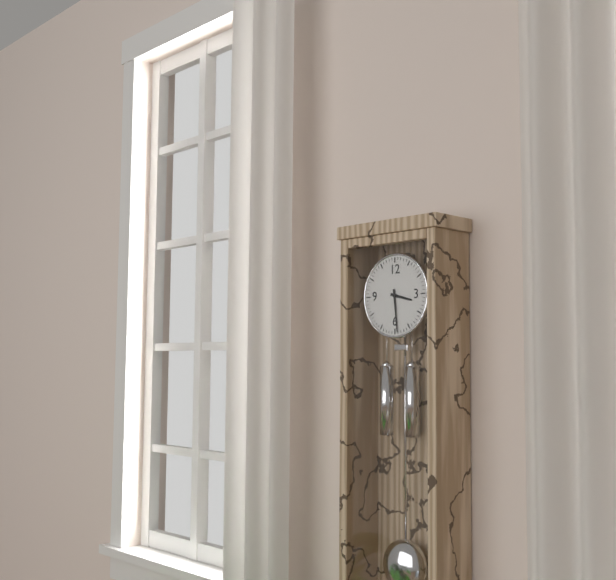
3:29
